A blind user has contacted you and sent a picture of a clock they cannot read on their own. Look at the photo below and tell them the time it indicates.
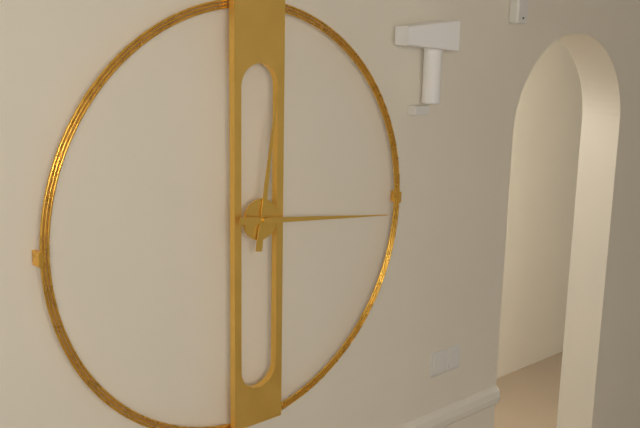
12:16
